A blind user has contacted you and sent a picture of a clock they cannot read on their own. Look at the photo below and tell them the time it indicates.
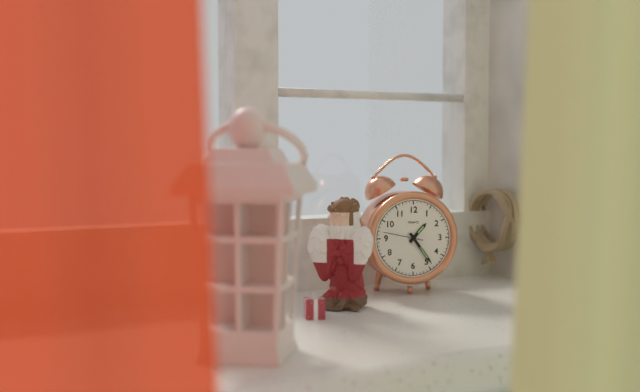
1:24
